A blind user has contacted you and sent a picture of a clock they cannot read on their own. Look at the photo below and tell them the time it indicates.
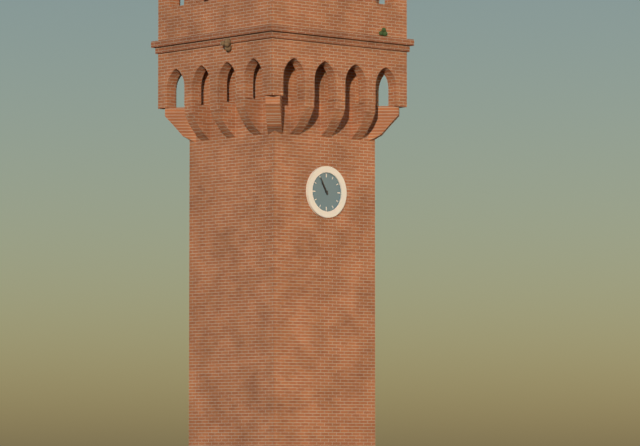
10:55
